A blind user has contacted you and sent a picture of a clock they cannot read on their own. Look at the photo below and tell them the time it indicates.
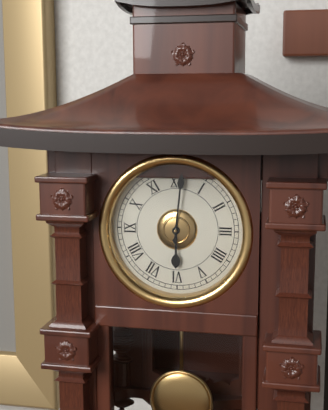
6:01
